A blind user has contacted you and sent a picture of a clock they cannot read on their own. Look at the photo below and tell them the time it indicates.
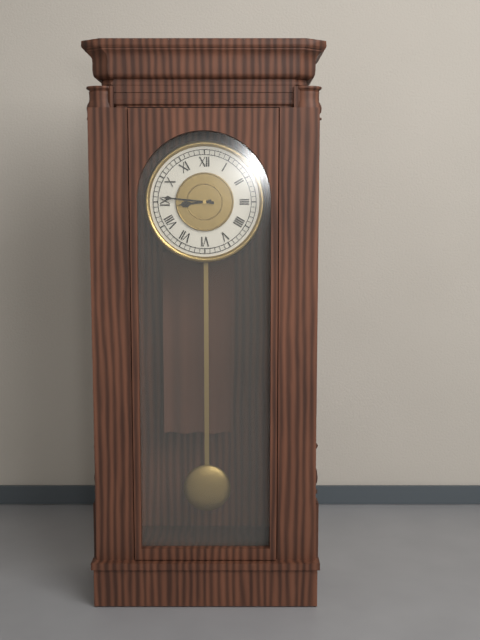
8:46
